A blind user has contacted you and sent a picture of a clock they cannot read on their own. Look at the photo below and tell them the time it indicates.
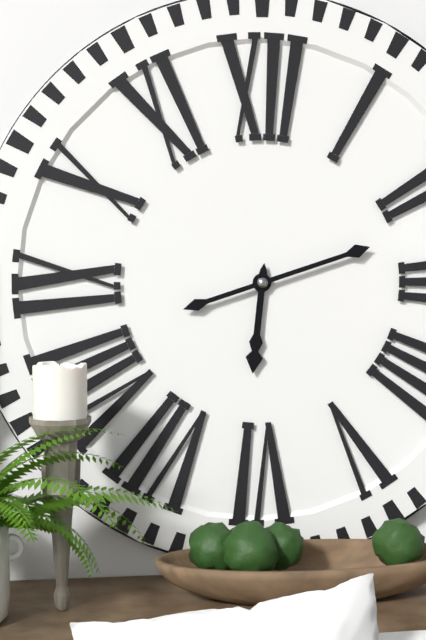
6:12
